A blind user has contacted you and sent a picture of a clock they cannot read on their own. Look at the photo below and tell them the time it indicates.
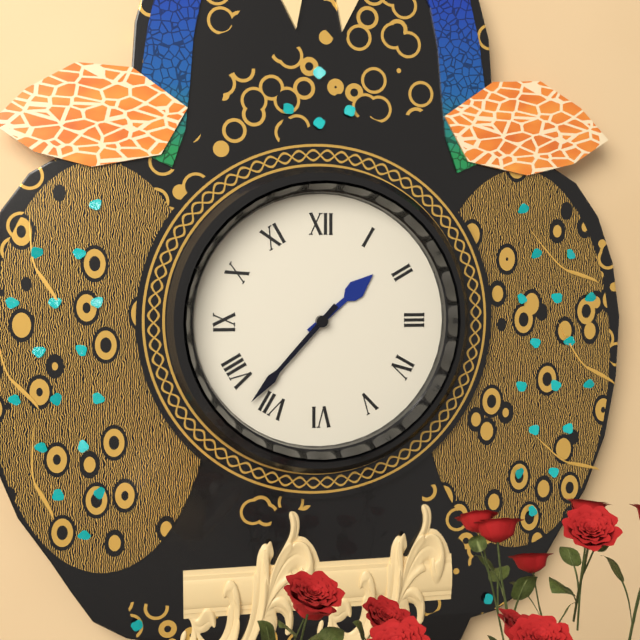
1:37
